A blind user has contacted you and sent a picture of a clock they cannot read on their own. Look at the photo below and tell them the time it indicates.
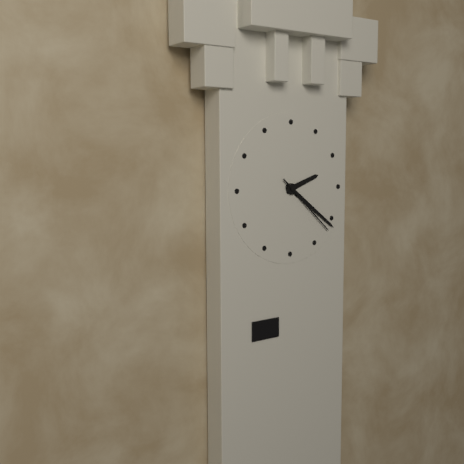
2:21:22
